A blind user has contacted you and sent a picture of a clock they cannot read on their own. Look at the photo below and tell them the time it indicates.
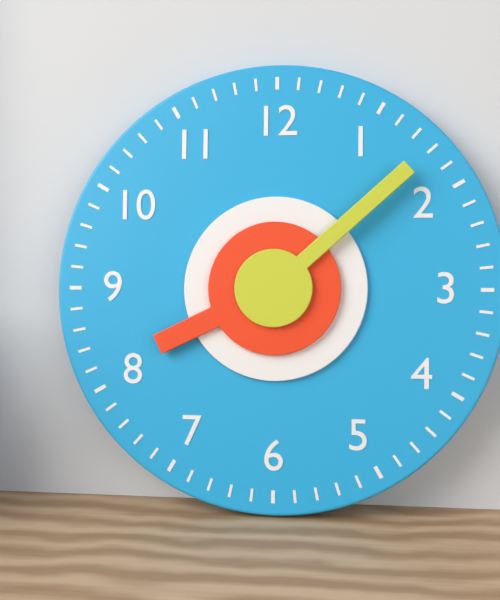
8:08
